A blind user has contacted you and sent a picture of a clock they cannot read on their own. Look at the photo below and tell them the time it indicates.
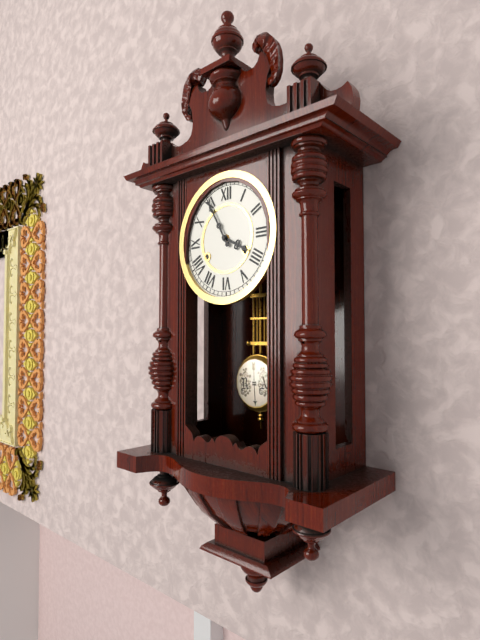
3:55
